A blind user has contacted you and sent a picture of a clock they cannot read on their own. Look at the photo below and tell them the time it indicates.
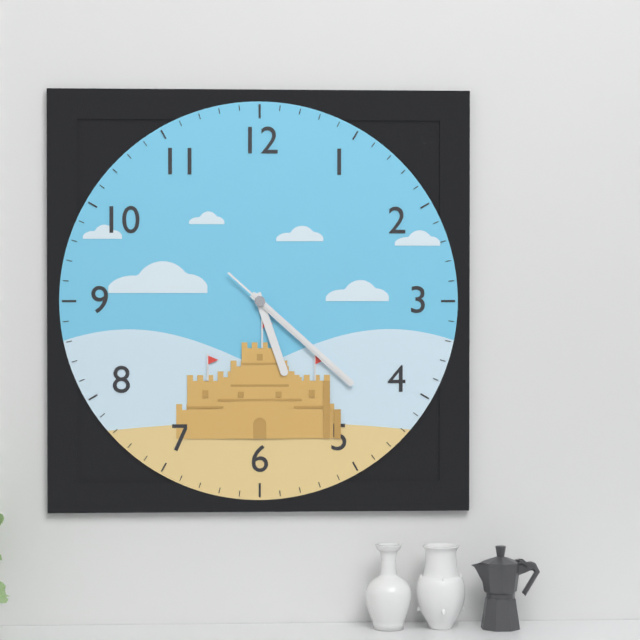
5:22:22
